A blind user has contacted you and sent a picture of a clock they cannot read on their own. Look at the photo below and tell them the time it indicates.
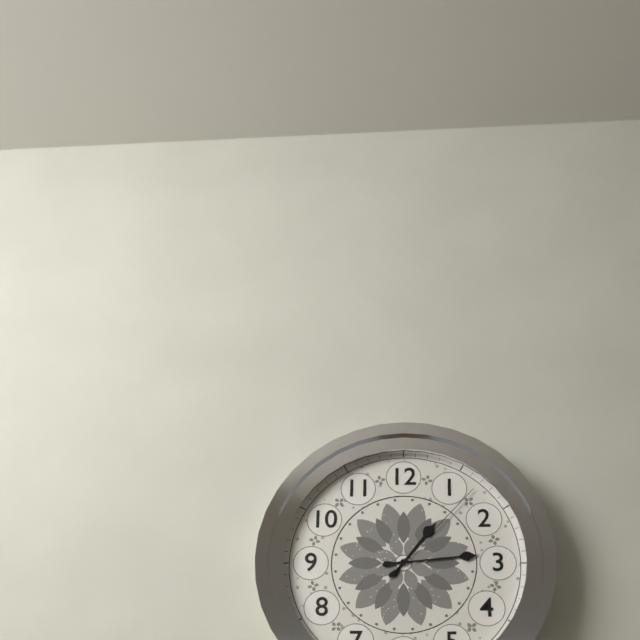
1:14:07
